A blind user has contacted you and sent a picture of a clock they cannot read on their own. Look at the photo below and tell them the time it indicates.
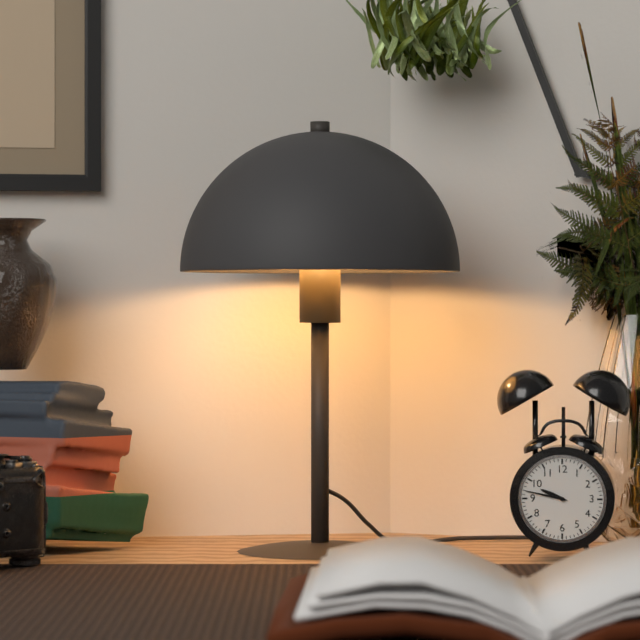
9:47
